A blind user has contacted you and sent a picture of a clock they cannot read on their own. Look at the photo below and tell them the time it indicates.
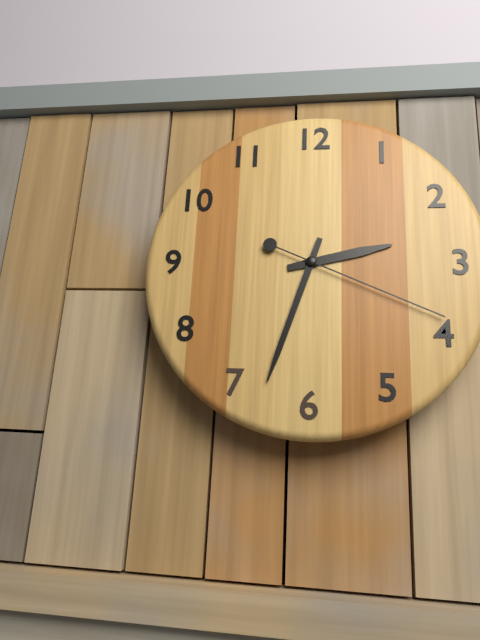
2:33:19
